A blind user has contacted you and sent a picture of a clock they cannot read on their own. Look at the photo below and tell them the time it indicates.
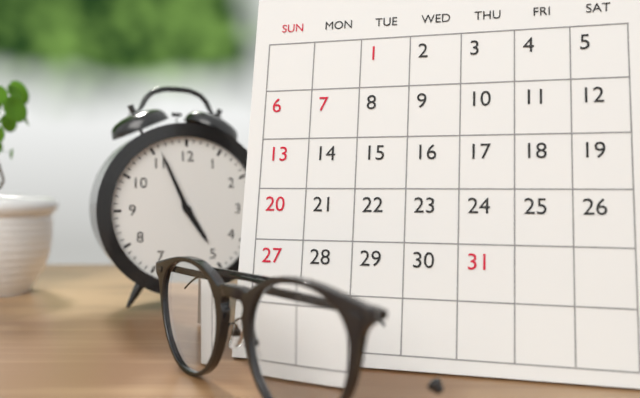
4:56
